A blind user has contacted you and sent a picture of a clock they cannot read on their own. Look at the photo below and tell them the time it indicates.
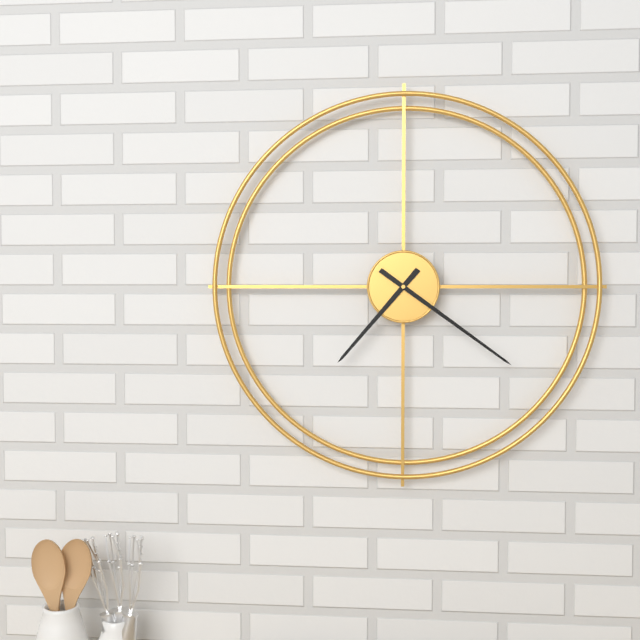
7:21
